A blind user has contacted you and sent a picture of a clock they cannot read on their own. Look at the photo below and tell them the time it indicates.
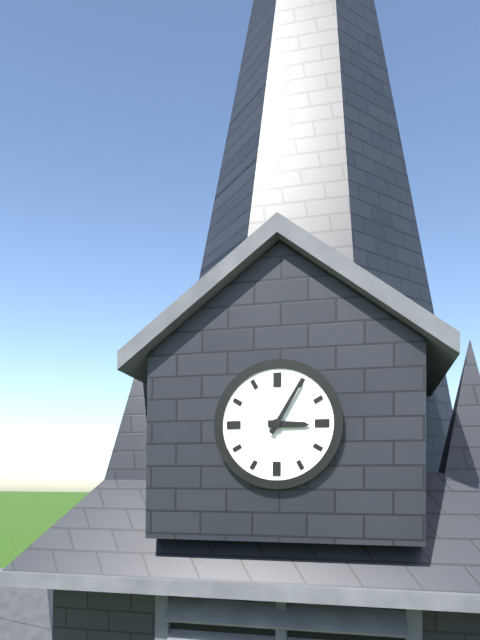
3:05
